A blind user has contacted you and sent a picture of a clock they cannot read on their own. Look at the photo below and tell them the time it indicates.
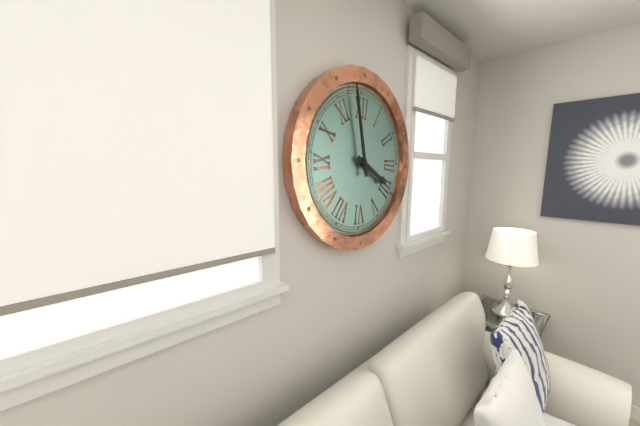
3:58
